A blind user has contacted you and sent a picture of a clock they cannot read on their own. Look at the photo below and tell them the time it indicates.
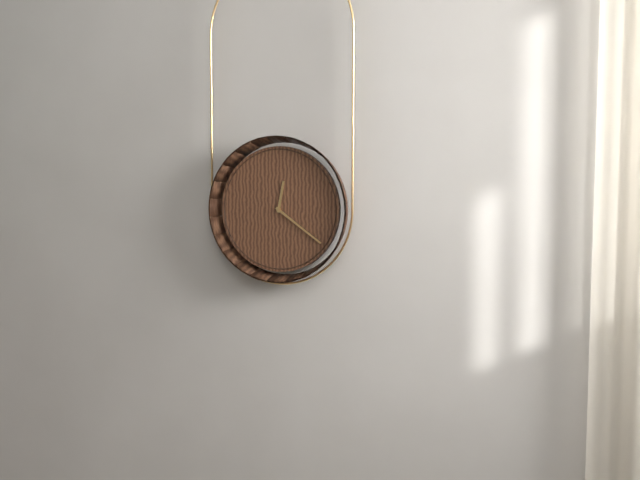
12:21
